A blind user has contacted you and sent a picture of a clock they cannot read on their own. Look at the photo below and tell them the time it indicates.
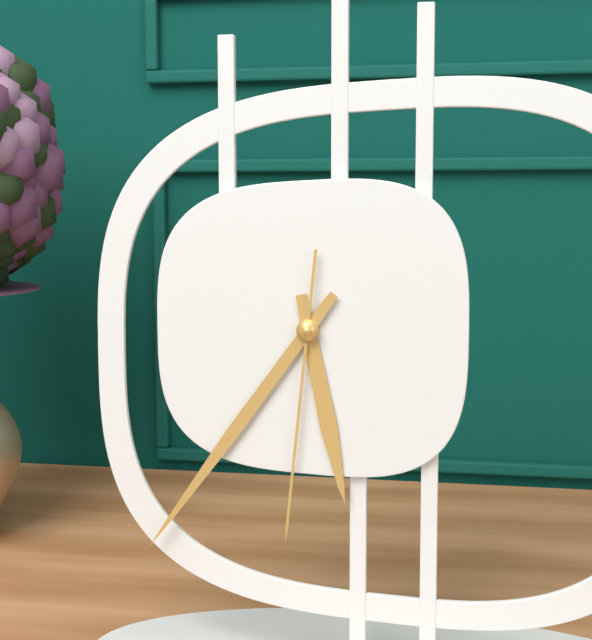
5:36:31
